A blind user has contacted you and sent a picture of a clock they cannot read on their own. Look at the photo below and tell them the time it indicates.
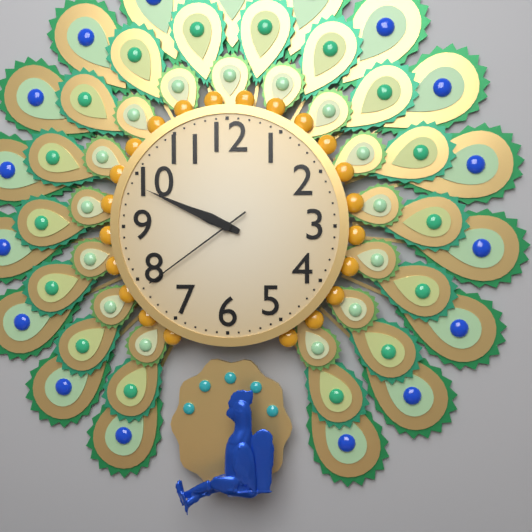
9:49:39
